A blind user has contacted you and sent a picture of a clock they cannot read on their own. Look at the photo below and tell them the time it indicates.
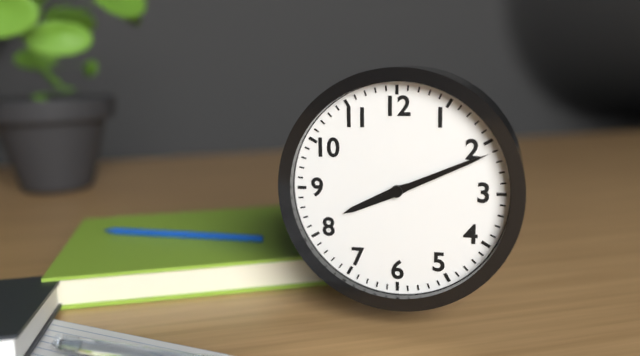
8:11
